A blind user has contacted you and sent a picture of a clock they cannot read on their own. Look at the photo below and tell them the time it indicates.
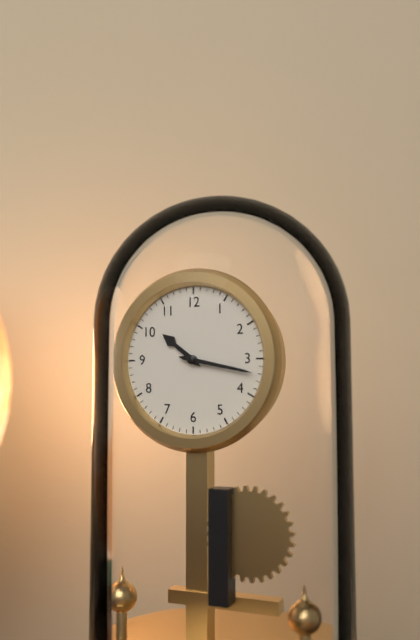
10:17
